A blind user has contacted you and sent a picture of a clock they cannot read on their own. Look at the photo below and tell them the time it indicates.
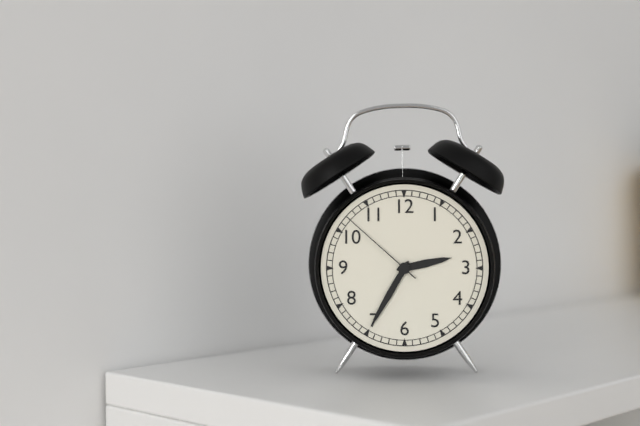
2:35:52
